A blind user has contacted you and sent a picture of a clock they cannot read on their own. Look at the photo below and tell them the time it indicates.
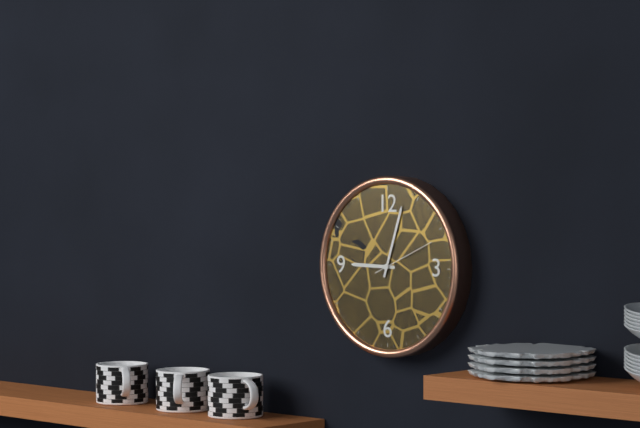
9:03:11
